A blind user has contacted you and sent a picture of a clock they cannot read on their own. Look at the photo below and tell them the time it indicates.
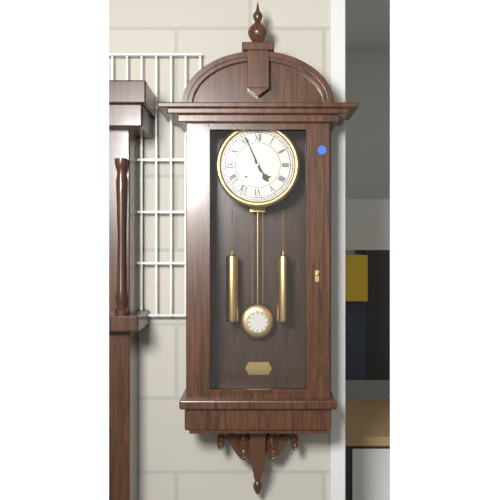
4:56
